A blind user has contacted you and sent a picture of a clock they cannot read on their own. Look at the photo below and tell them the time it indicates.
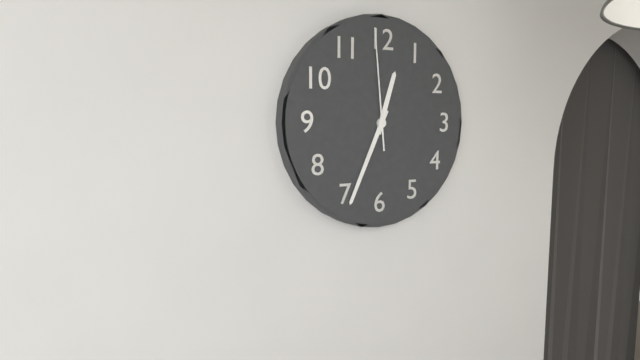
12:34:59
